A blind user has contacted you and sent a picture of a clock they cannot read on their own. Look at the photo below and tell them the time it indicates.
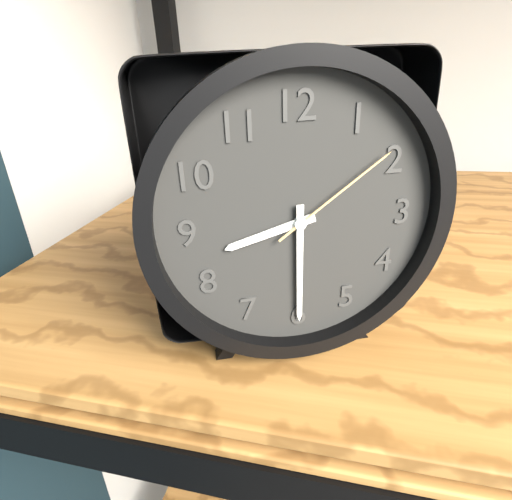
8:30:09
